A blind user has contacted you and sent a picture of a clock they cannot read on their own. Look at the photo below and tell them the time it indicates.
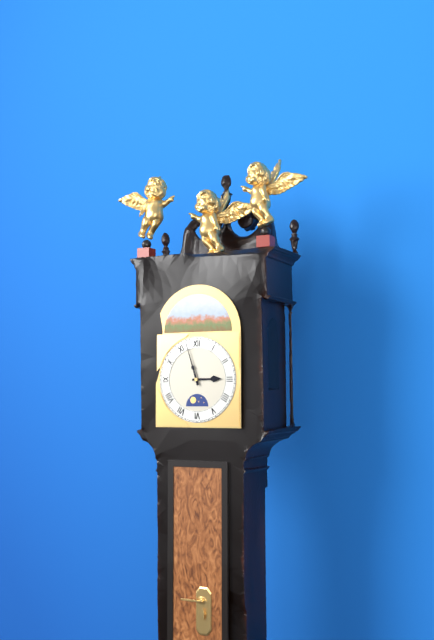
2:57
